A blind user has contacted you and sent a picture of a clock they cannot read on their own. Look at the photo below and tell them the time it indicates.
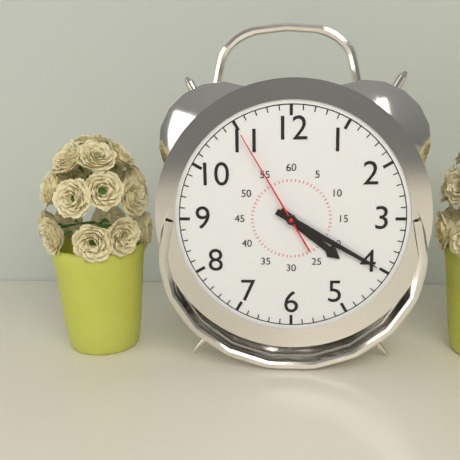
4:20:55
